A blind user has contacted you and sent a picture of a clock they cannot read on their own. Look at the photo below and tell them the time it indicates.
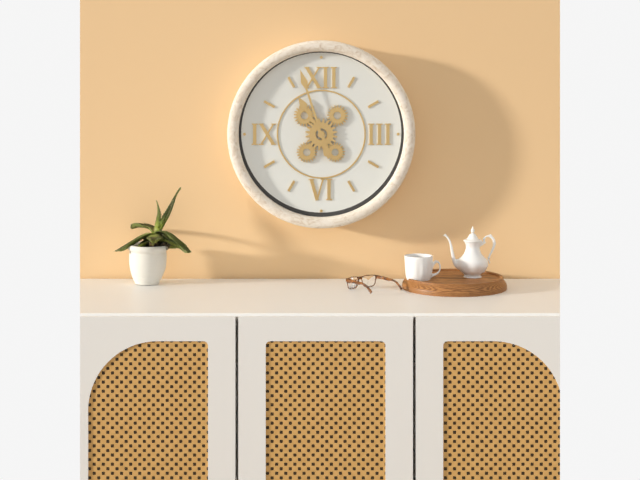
10:57
